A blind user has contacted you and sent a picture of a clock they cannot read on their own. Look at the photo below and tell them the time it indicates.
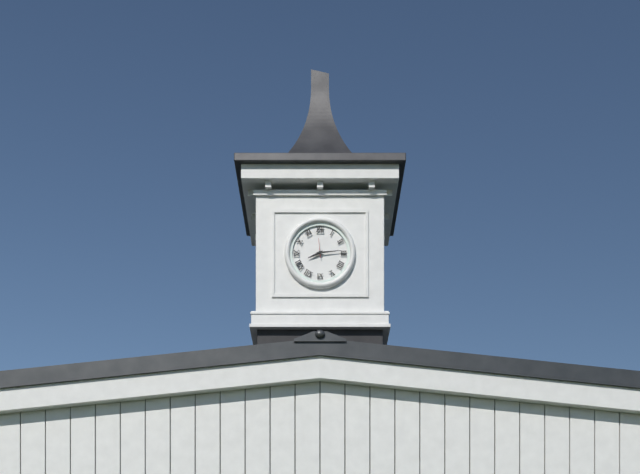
8:14
